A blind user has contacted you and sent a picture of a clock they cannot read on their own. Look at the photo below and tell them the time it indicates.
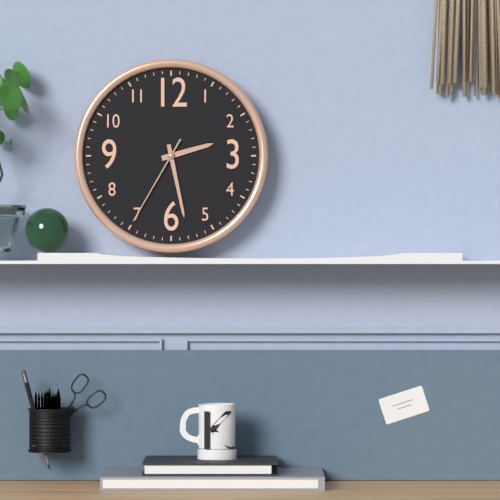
2:28:35
